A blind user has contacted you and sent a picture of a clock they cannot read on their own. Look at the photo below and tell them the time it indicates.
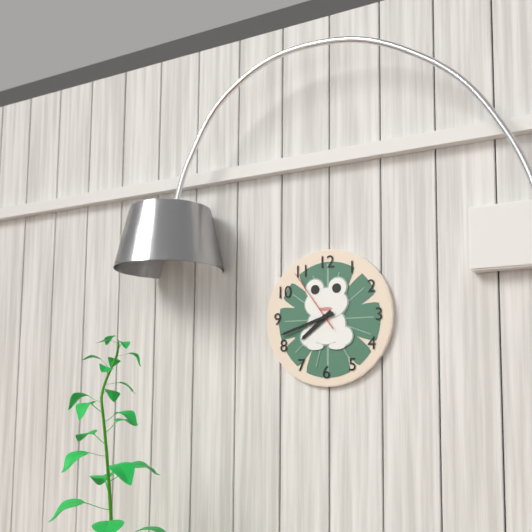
7:42:54
